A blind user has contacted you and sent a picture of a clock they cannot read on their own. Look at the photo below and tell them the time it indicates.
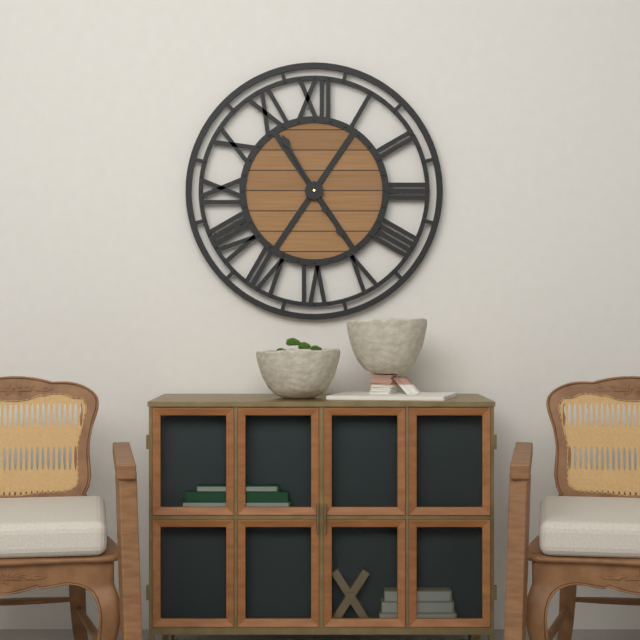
4:55
